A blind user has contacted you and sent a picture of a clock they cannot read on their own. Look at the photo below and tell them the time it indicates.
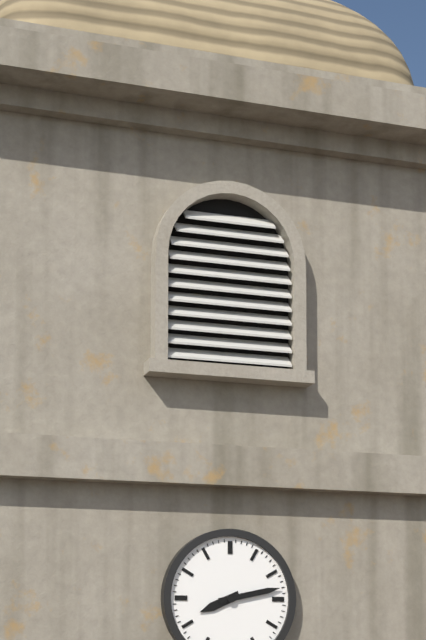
8:13
